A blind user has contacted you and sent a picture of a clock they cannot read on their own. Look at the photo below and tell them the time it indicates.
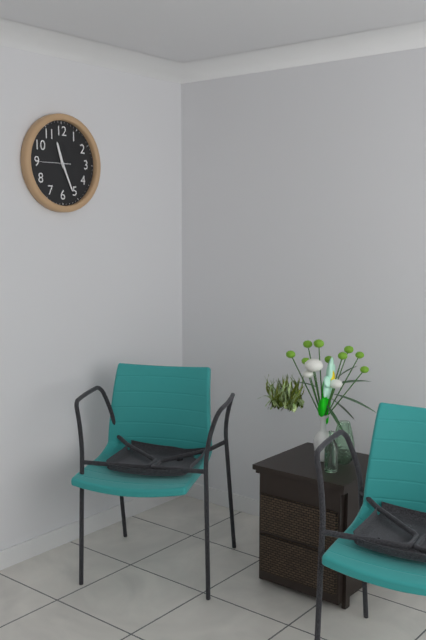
11:26
